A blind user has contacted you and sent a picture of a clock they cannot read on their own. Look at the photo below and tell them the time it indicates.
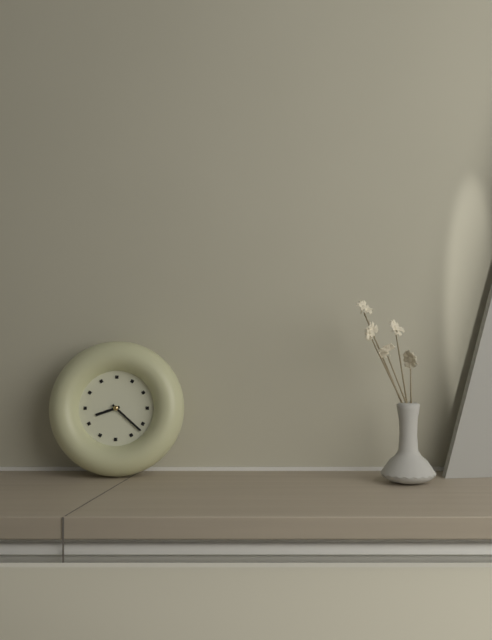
8:22
